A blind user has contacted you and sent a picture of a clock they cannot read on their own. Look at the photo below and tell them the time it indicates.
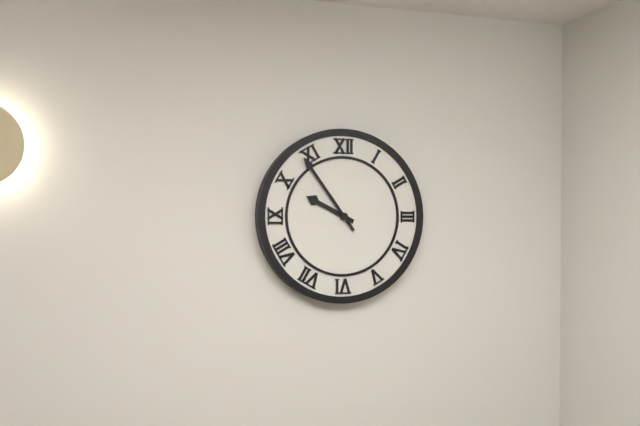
9:54
